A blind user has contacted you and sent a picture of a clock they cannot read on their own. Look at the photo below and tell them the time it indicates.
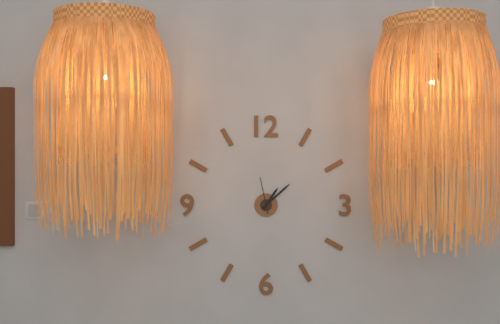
1:08
